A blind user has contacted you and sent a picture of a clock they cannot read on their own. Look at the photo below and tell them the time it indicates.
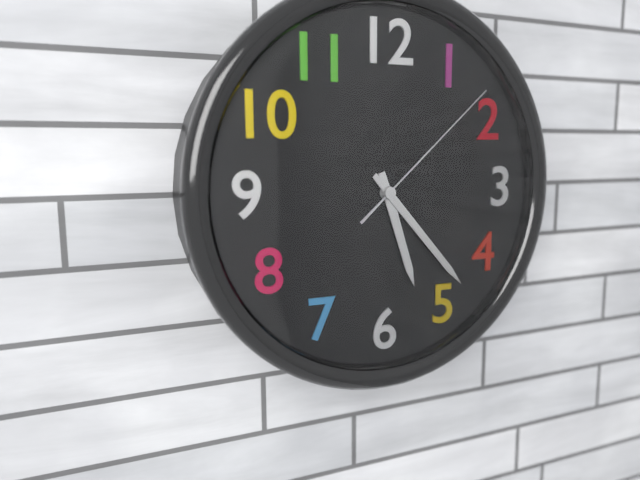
5:23:08
